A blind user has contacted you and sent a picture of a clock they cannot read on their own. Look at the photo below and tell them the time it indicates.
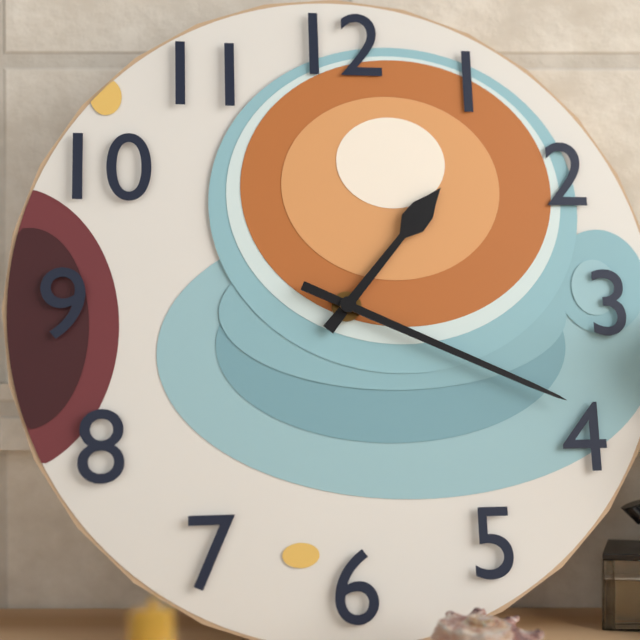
1:19
